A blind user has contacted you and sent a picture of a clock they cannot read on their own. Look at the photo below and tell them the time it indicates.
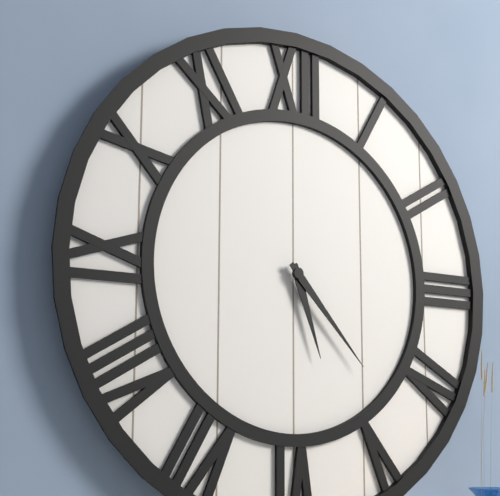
5:23
